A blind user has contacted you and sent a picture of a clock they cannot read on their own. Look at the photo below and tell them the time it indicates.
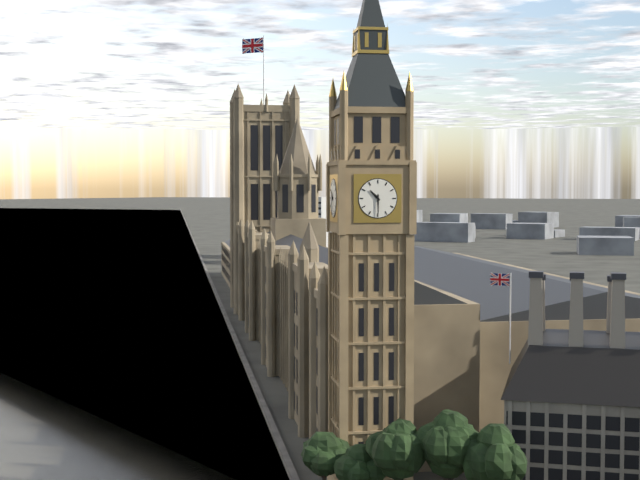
10:30
